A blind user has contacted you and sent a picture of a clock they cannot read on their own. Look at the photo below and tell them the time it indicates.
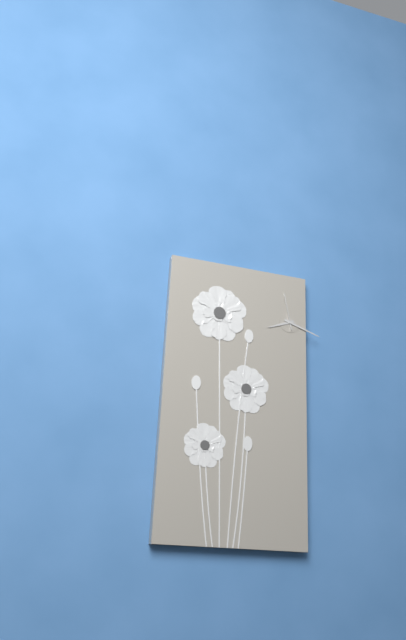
8:18
